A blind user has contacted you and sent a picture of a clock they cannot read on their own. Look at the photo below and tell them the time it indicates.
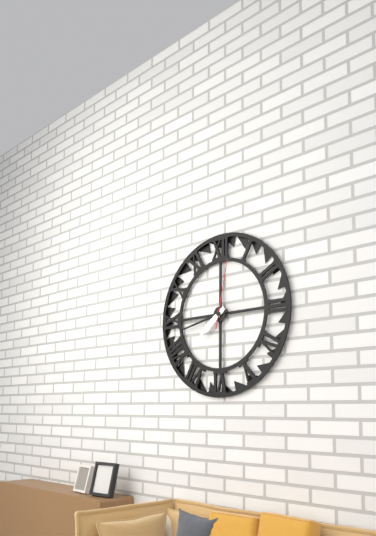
7:43:02
